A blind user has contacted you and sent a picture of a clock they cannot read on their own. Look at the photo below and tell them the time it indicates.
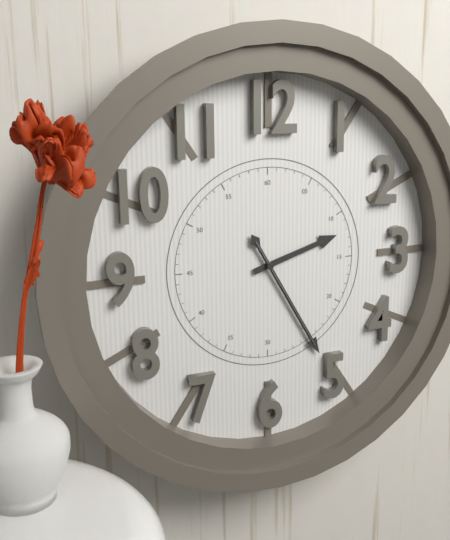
2:25:25
